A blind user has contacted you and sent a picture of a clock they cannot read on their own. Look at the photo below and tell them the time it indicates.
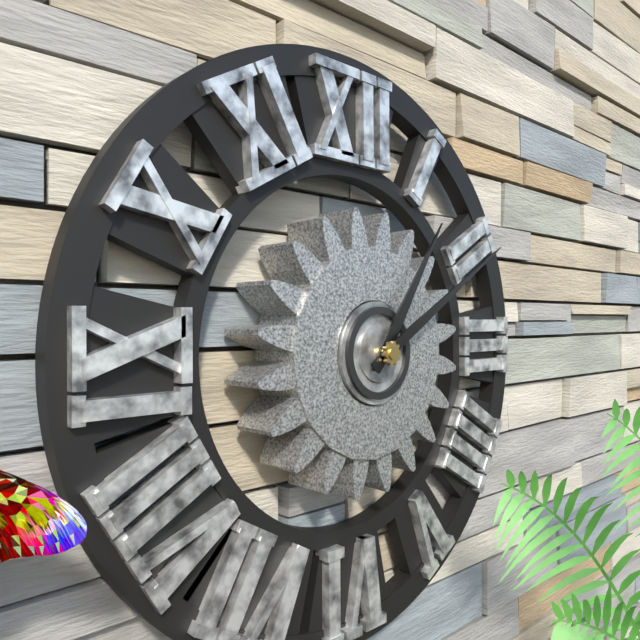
1:10
